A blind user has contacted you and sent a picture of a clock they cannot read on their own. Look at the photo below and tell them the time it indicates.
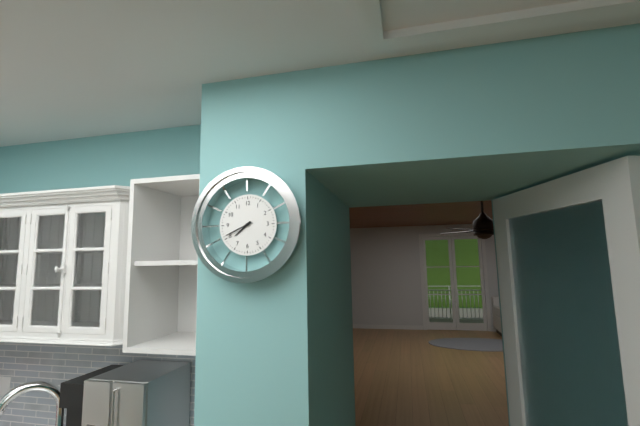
7:41
